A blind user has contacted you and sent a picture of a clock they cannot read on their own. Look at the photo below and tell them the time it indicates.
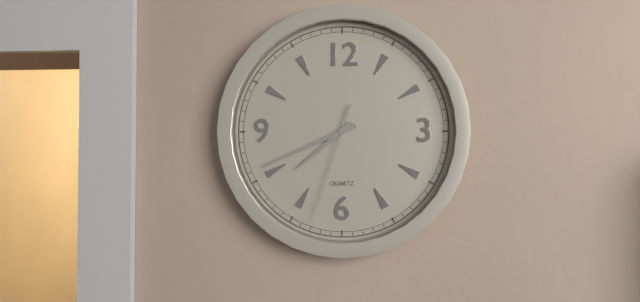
7:41:33
